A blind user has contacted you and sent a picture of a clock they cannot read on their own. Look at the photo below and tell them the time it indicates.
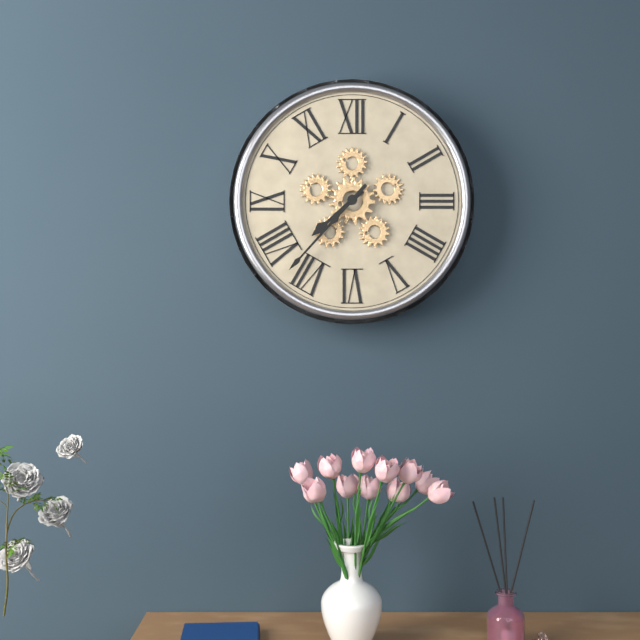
7:37
